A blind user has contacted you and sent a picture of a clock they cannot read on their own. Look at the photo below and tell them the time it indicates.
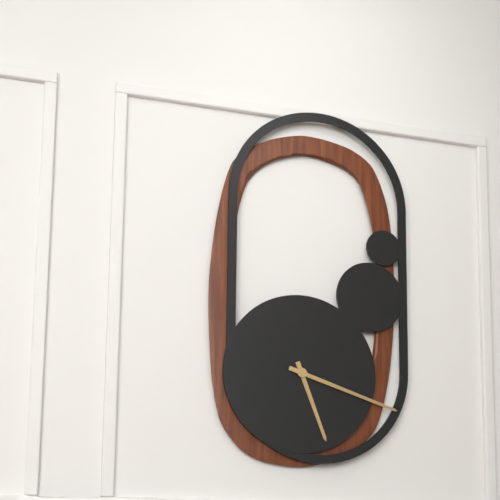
5:18
